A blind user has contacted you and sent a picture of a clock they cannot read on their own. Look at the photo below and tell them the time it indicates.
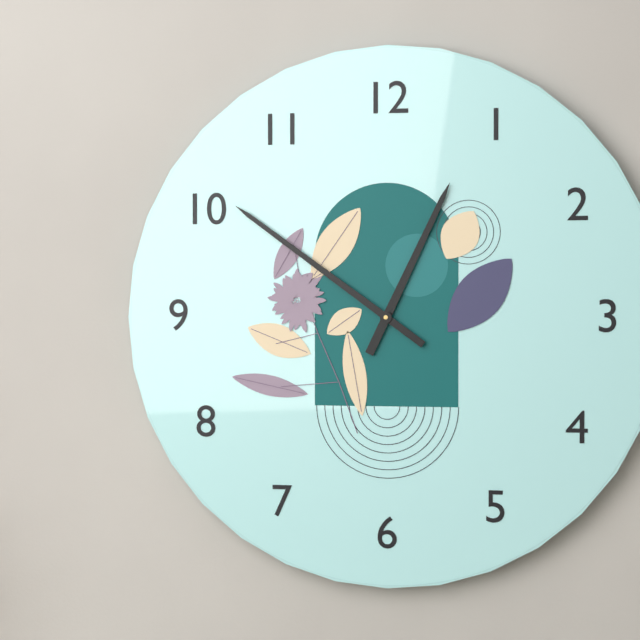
12:51
